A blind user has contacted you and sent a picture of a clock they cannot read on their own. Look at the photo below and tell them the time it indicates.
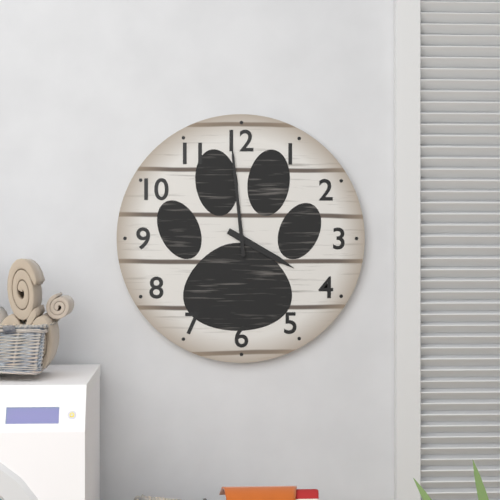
3:59
